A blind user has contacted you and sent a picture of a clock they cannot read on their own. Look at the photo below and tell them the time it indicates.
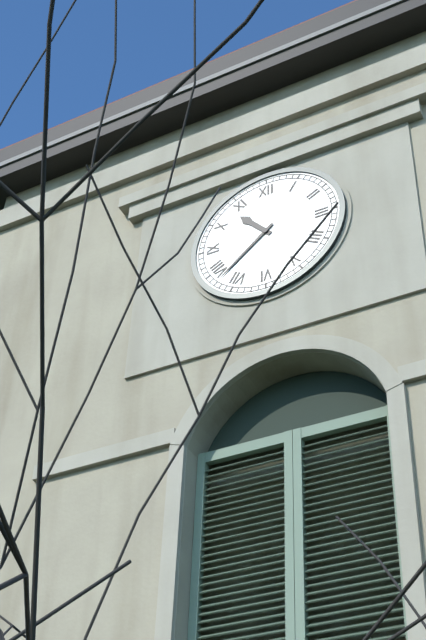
10:38
